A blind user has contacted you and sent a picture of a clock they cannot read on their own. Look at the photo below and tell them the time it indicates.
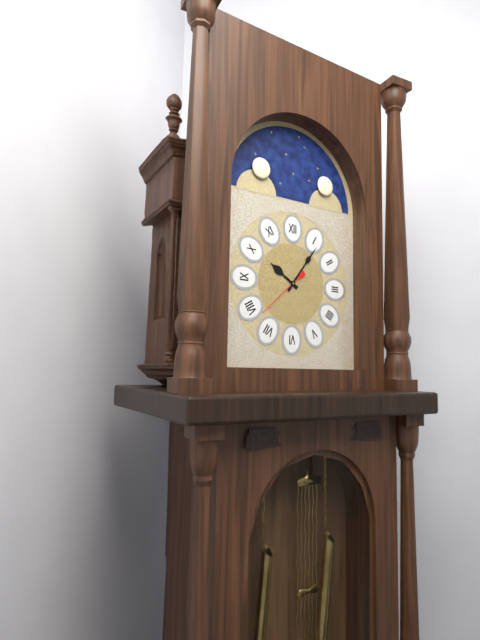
10:06:38
